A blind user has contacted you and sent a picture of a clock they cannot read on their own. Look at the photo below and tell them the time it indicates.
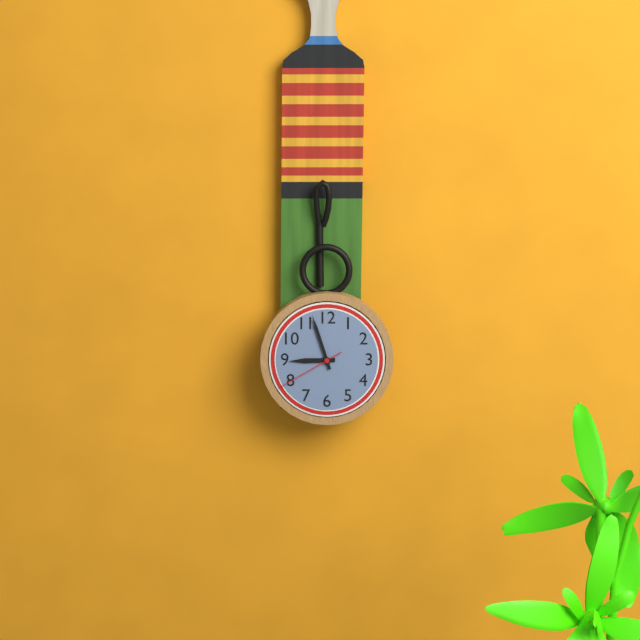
8:57:40
